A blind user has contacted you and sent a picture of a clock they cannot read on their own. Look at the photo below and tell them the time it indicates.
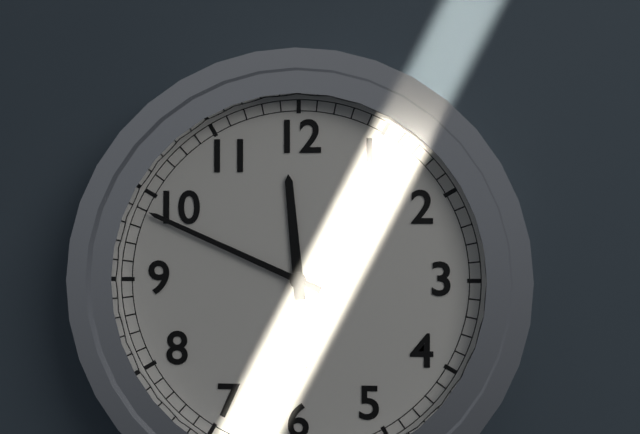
11:49
